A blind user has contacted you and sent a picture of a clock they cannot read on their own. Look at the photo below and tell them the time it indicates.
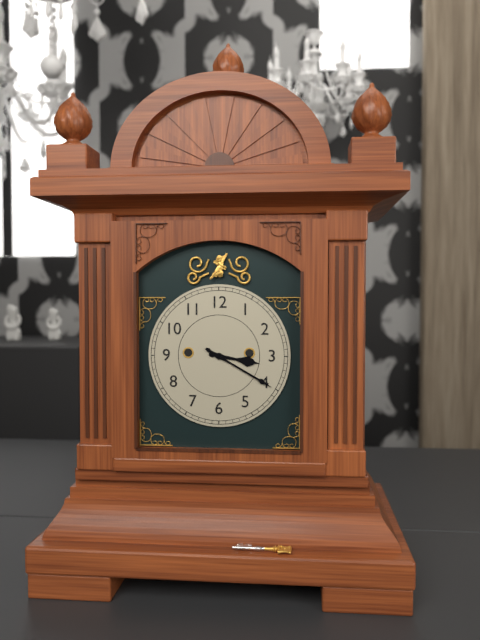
3:20
